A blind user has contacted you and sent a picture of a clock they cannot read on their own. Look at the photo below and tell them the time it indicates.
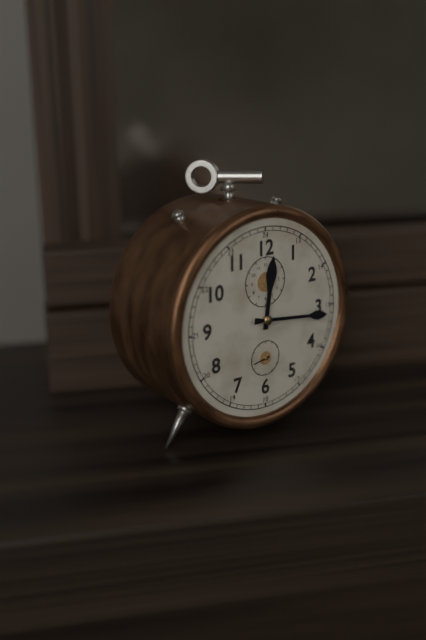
12:16
